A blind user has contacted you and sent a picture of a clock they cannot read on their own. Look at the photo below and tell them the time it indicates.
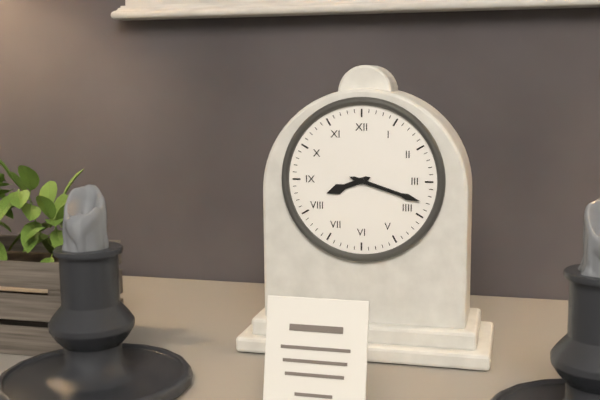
8:18
